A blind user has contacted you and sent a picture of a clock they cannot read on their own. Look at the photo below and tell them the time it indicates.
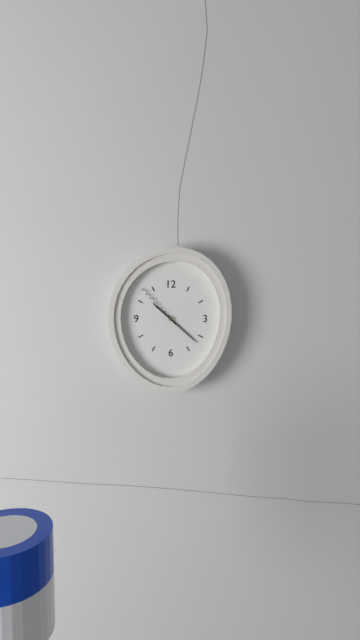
10:22:53
